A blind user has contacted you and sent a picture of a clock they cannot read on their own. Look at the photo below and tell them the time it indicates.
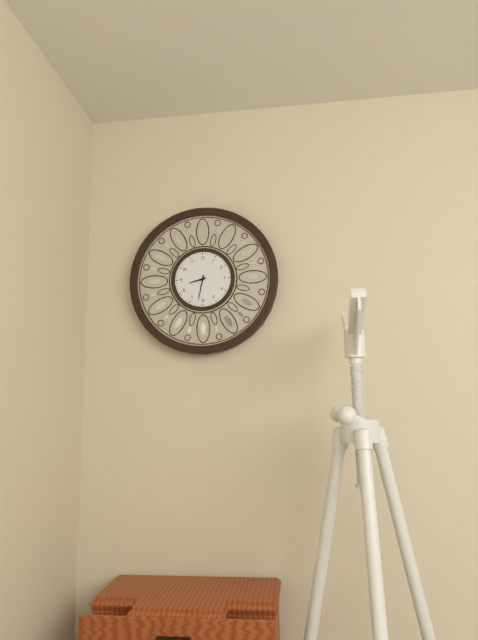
8:32
